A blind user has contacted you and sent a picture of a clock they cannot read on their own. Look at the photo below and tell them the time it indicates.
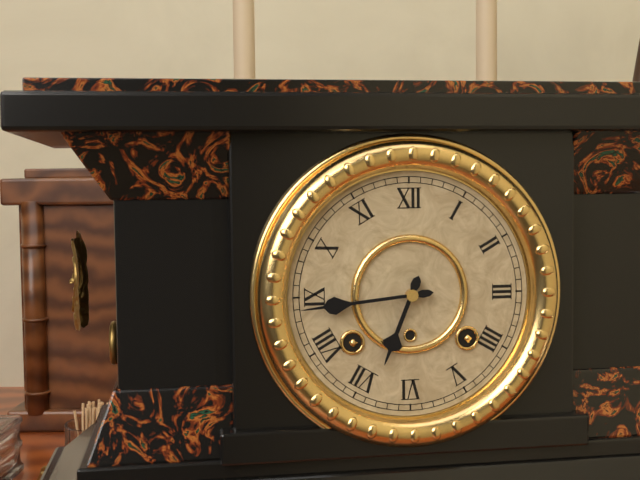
6:44
